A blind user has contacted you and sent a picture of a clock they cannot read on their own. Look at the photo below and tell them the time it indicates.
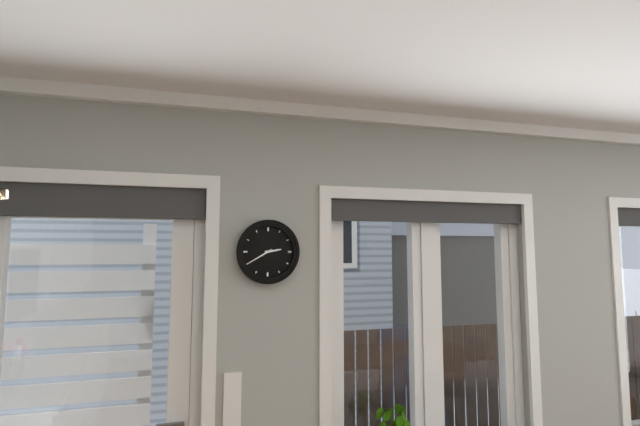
2:40
